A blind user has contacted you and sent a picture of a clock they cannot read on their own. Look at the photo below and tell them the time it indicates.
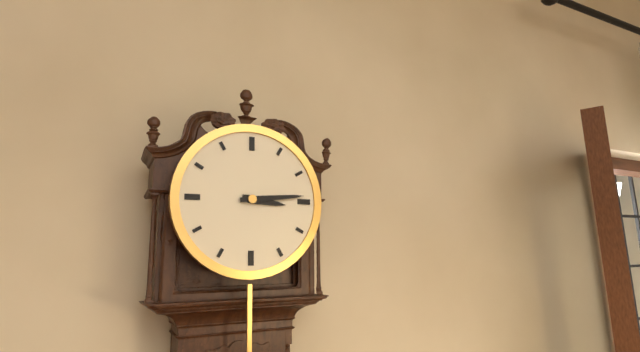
3:14
